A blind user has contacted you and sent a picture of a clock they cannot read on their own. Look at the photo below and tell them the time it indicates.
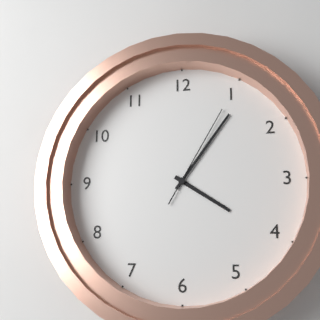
4:06:05
